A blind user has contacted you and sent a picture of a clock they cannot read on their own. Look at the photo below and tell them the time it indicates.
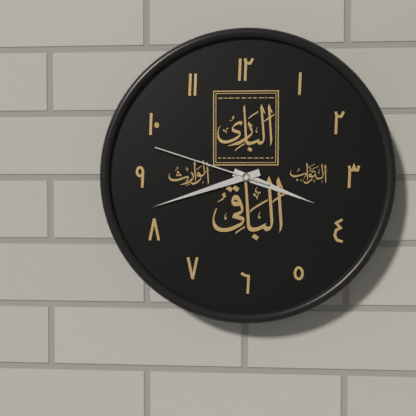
3:42:48
